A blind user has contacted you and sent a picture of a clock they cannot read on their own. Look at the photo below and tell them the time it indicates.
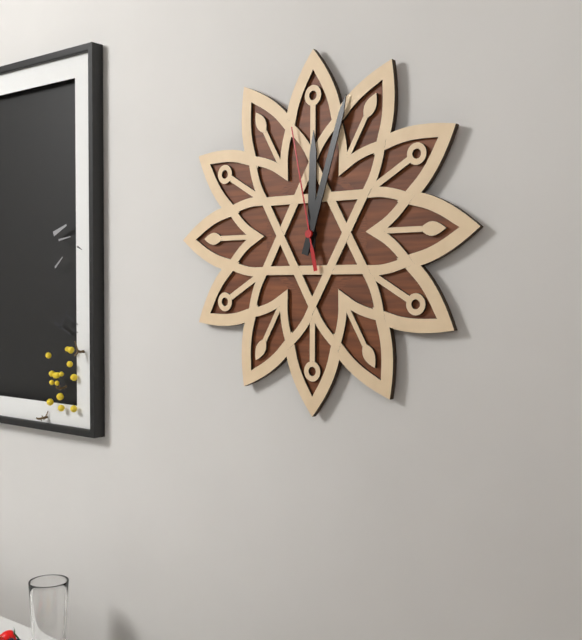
12:03:58
